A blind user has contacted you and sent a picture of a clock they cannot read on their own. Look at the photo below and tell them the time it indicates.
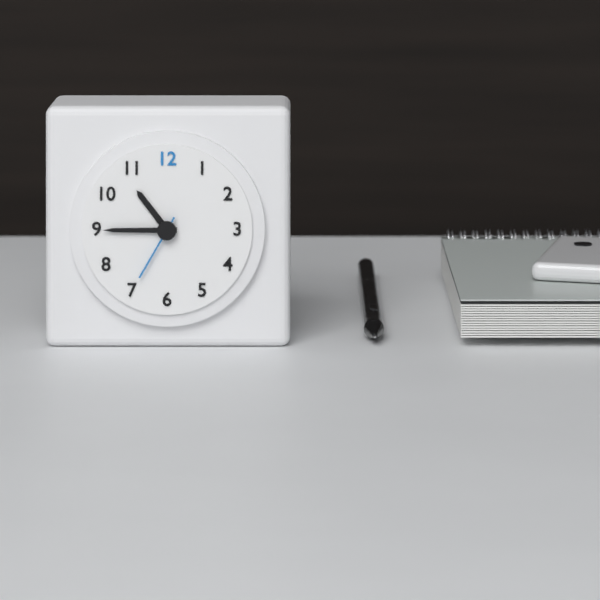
10:45:35
